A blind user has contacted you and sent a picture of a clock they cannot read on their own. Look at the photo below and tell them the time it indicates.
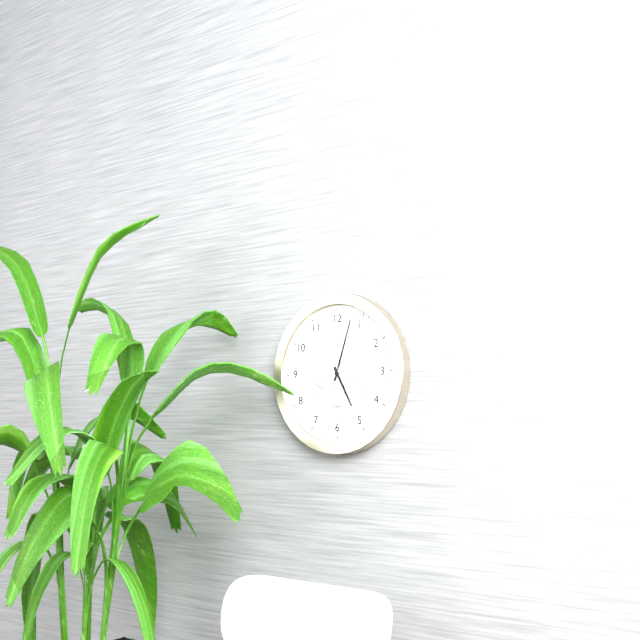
5:03:05
